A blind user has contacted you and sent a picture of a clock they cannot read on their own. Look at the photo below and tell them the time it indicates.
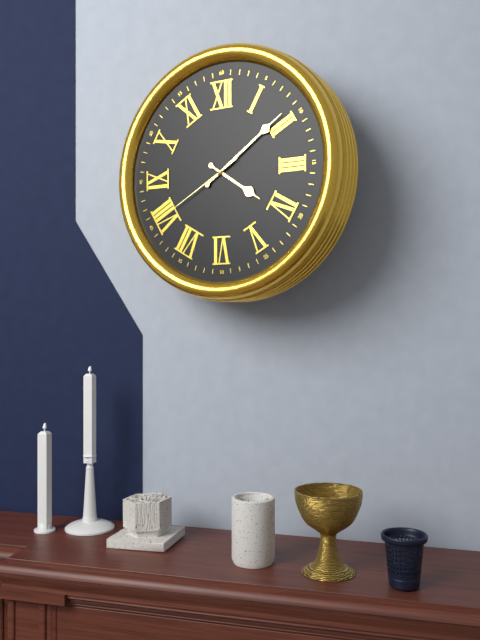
4:09:40
